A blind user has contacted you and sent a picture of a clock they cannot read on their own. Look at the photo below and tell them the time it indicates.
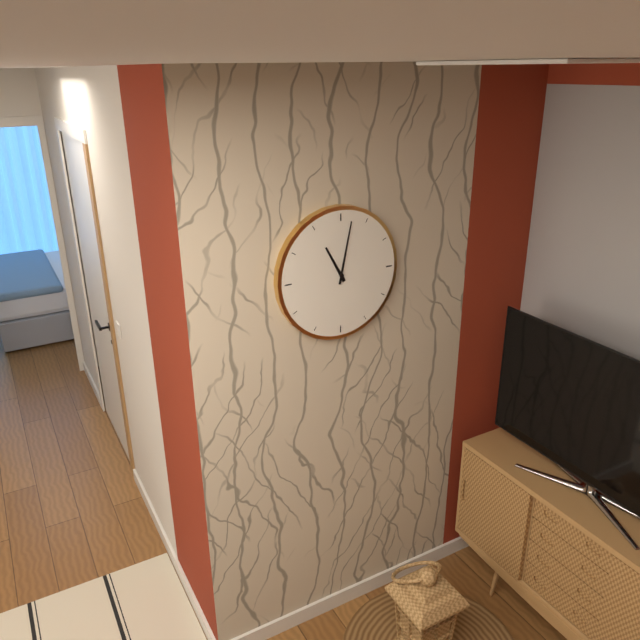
11:02
